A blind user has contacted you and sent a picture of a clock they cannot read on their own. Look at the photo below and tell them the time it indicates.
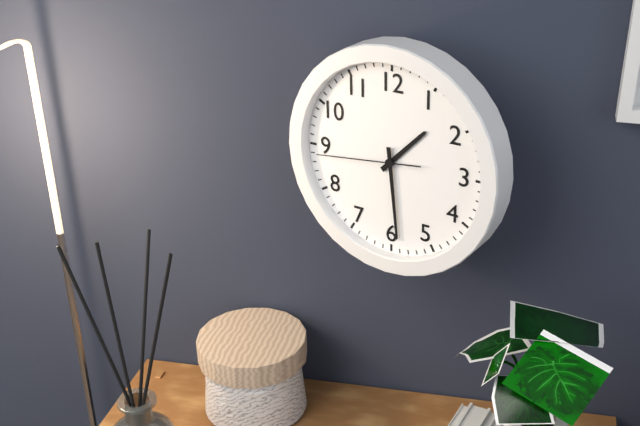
1:29:44
